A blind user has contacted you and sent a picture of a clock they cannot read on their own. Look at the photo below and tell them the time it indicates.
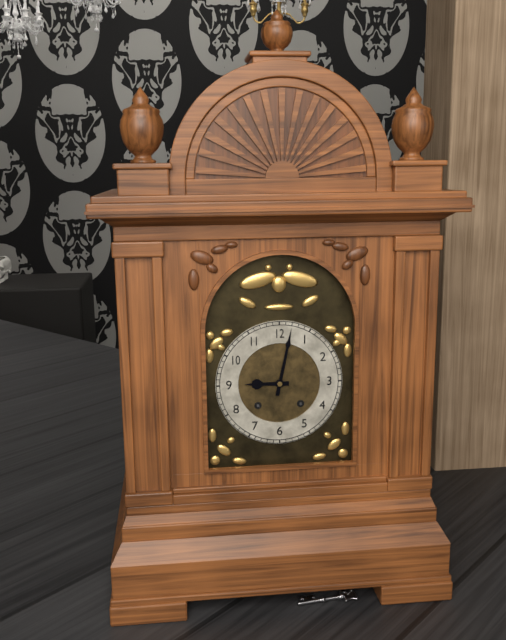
9:02
